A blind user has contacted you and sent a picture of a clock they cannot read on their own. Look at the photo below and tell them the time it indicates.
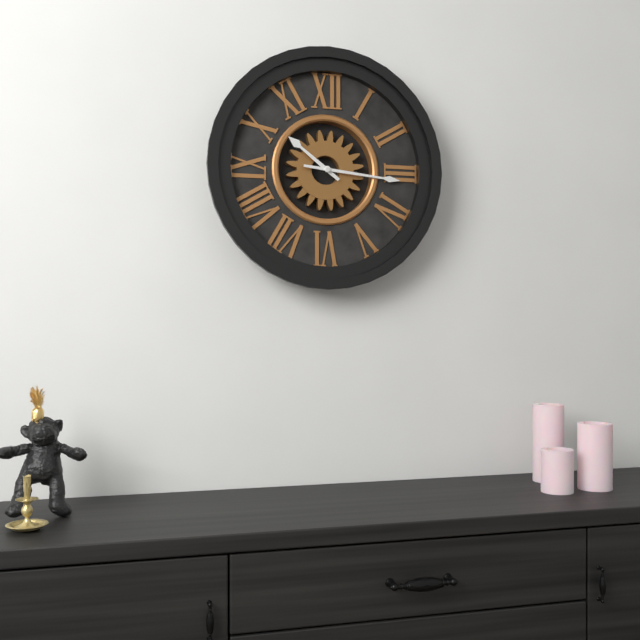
10:16
